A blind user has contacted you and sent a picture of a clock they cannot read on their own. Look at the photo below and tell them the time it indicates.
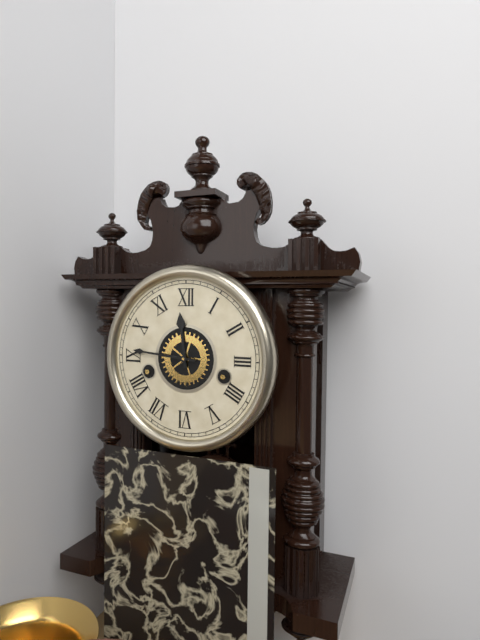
11:46
